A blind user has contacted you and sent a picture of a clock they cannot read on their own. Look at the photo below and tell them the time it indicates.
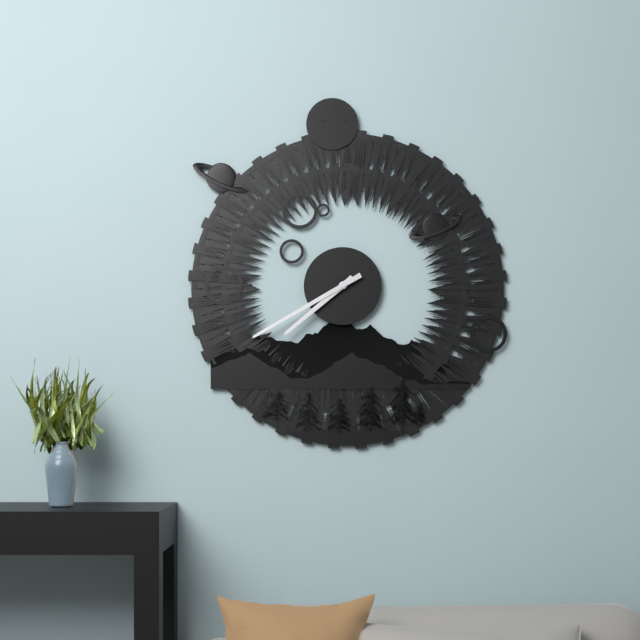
7:40
